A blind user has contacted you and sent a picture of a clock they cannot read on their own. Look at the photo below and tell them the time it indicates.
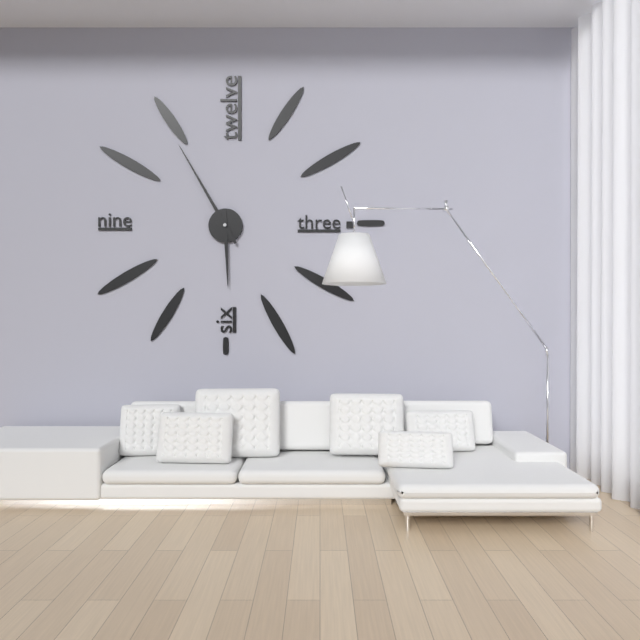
5:55
